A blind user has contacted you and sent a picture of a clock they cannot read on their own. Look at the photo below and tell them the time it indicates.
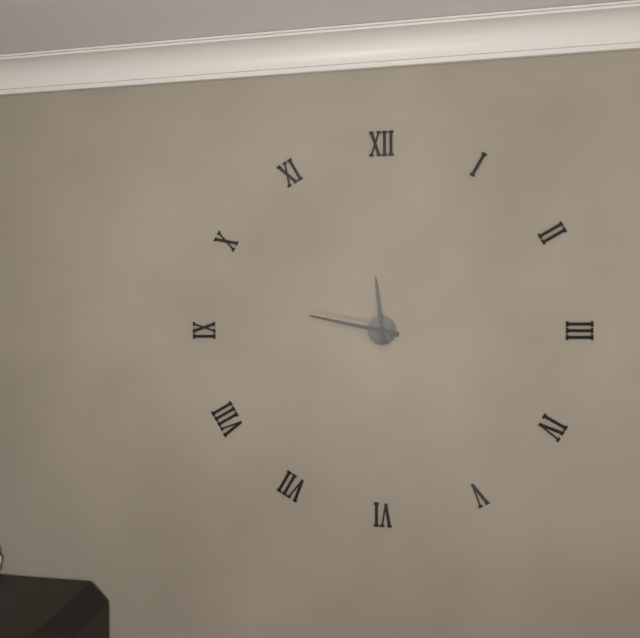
11:47
